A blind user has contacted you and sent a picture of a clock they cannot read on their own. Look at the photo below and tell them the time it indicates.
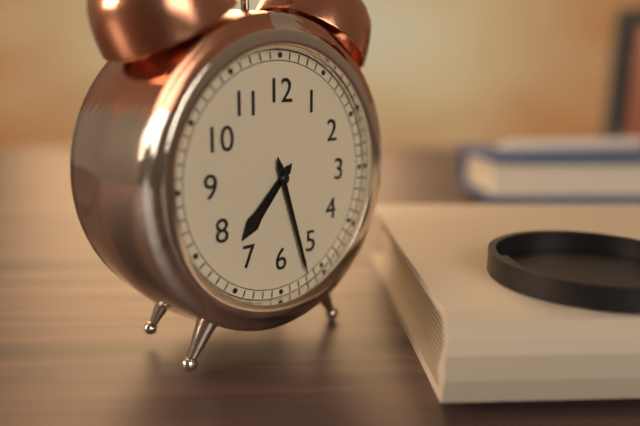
7:27
